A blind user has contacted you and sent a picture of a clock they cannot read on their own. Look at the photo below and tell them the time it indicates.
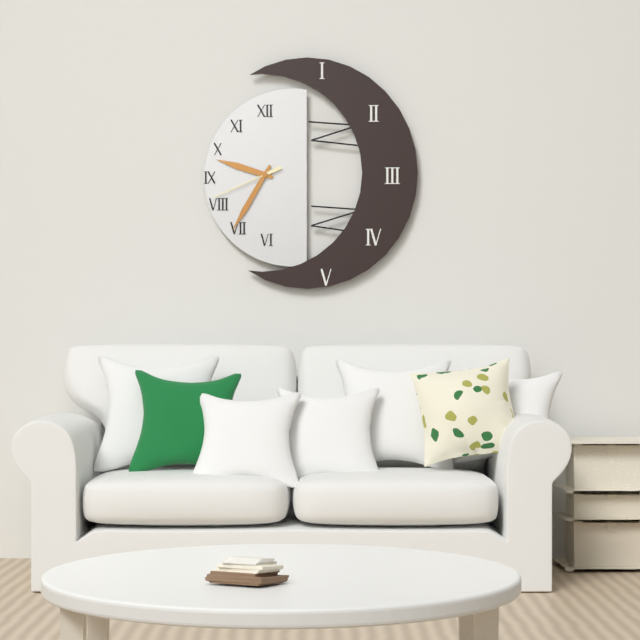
9:35:41
